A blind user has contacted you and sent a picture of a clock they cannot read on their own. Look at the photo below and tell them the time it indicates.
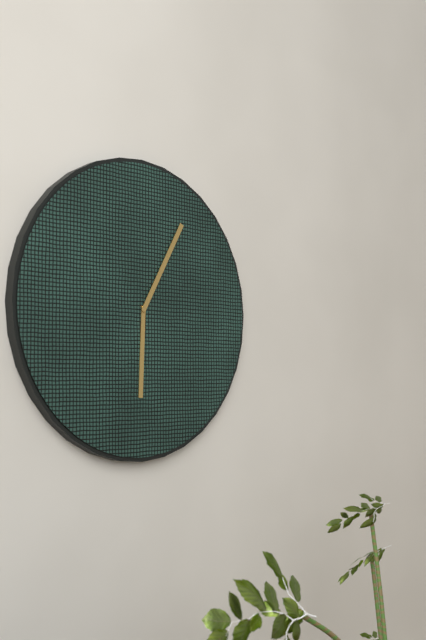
6:05
